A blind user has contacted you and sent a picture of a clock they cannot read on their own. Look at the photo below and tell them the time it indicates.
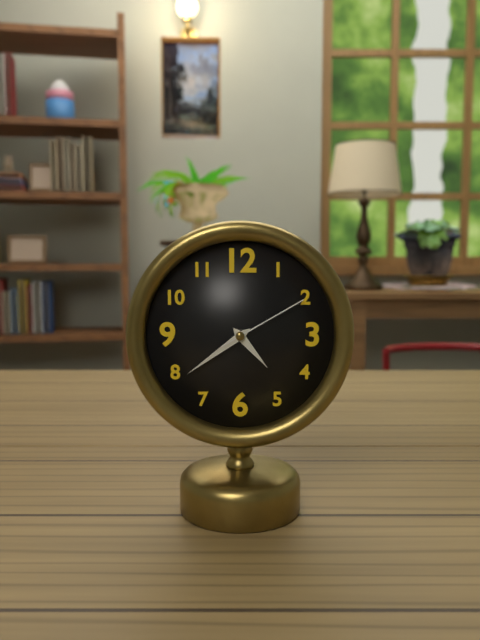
4:39:10
